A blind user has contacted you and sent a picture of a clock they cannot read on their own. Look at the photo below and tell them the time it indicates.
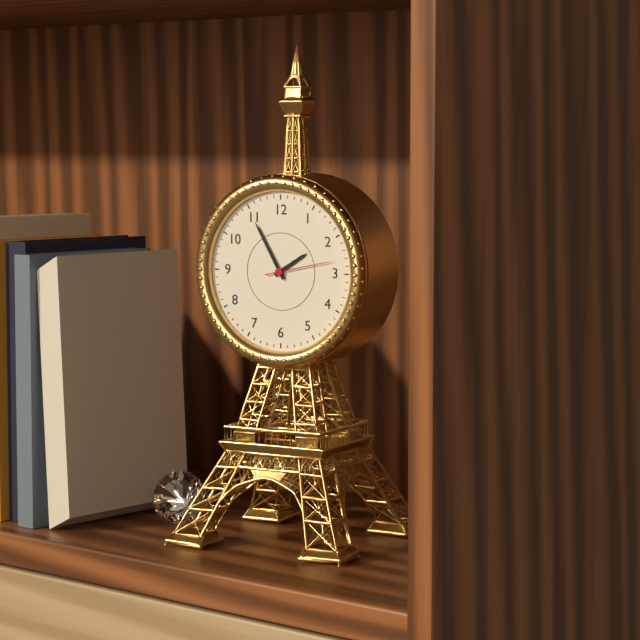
1:55:13
